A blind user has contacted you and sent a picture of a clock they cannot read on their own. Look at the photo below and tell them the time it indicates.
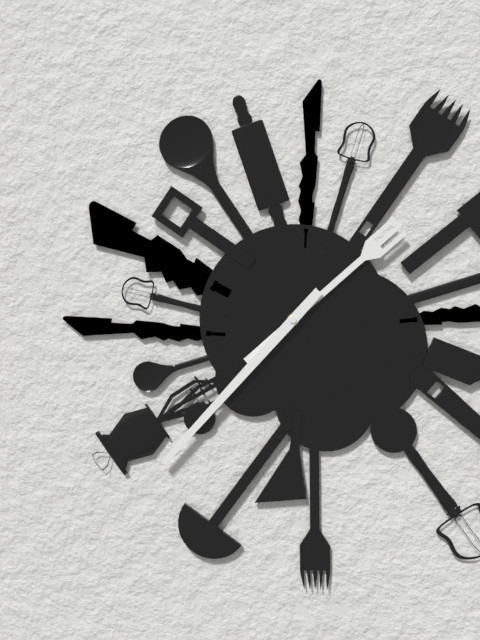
1:37
